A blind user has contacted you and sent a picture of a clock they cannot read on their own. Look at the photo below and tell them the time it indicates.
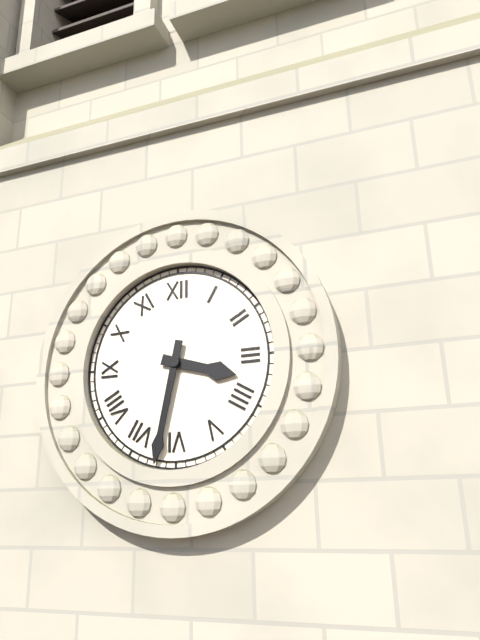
3:32
